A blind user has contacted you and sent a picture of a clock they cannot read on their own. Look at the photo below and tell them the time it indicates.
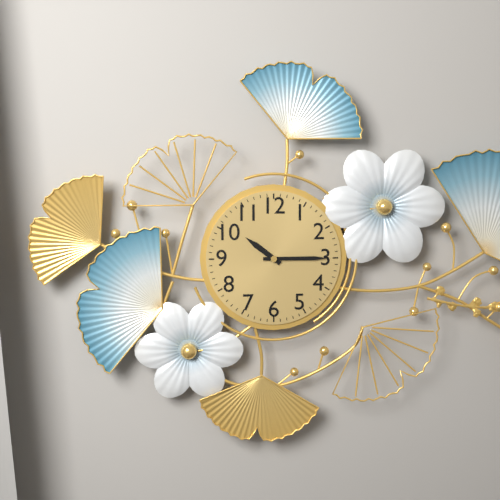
10:15
